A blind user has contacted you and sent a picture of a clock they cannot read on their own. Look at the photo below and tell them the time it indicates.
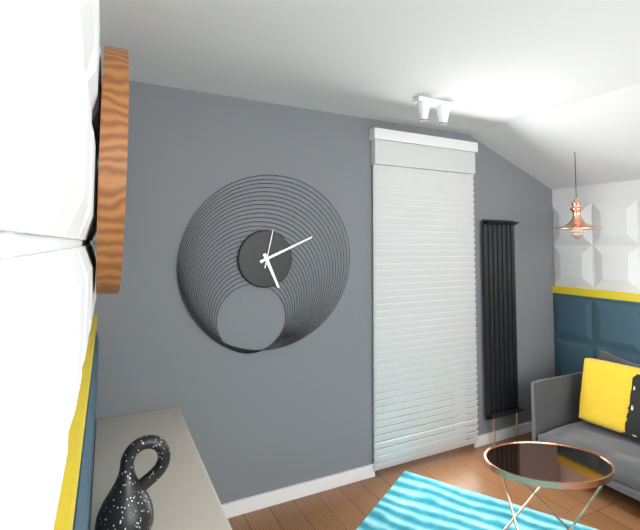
5:11
